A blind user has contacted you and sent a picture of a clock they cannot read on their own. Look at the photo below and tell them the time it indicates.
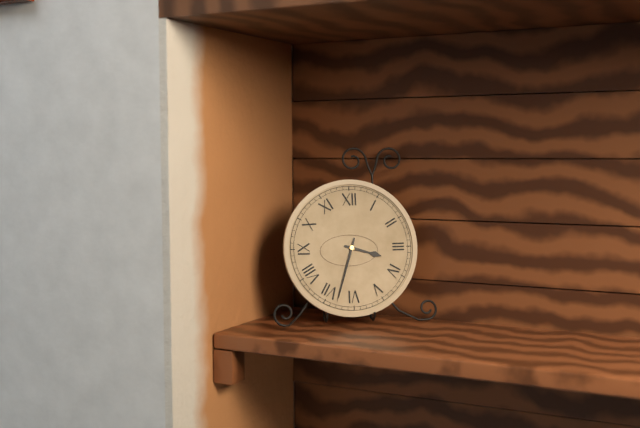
3:33
